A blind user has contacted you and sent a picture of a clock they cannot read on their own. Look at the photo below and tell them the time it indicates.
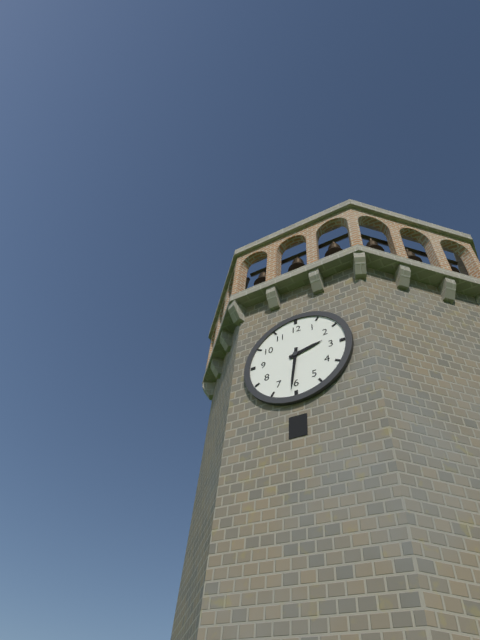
2:31
